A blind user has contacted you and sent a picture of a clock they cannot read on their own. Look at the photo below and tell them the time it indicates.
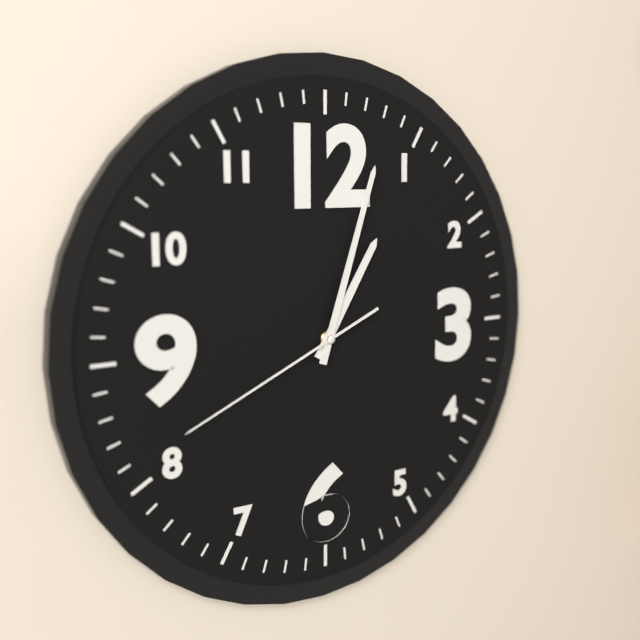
1:03:41
